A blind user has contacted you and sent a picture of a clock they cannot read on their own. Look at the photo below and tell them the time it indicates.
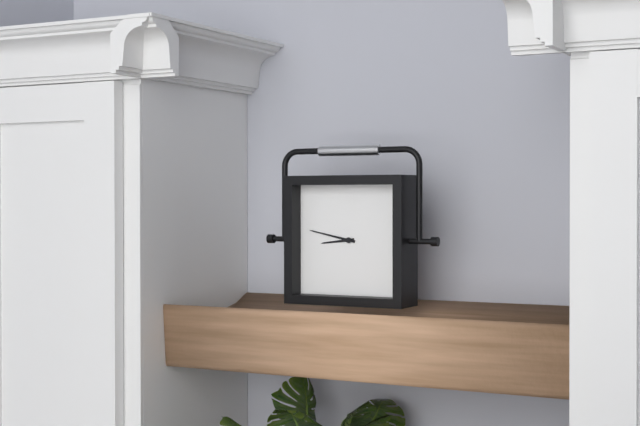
8:47
